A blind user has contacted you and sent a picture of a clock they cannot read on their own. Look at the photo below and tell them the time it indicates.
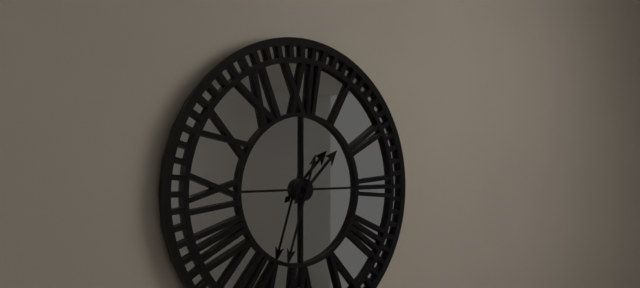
1:33
